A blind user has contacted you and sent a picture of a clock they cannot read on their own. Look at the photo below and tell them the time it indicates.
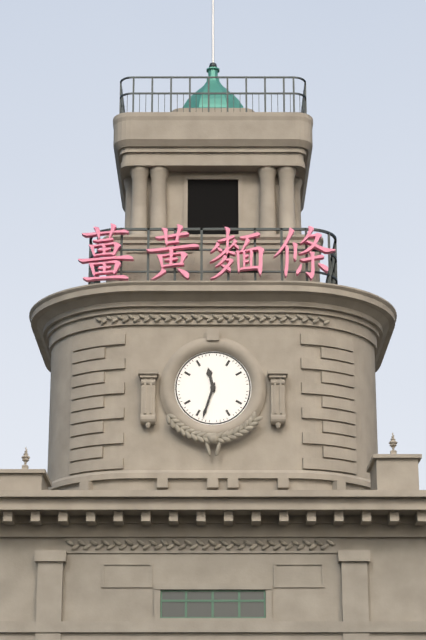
11:33
